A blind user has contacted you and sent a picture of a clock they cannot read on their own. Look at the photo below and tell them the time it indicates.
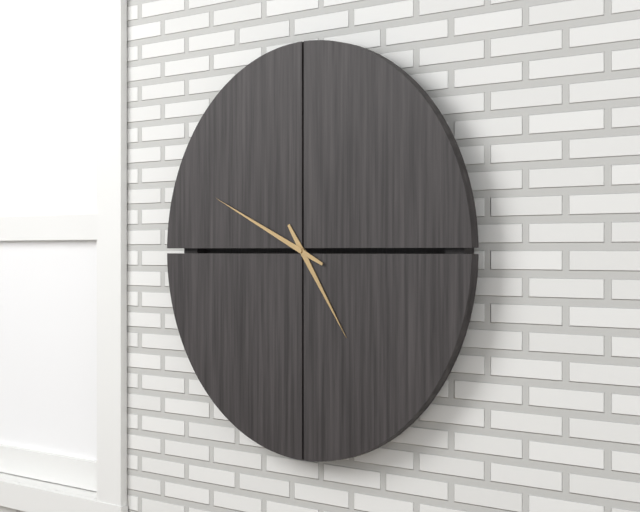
4:49
